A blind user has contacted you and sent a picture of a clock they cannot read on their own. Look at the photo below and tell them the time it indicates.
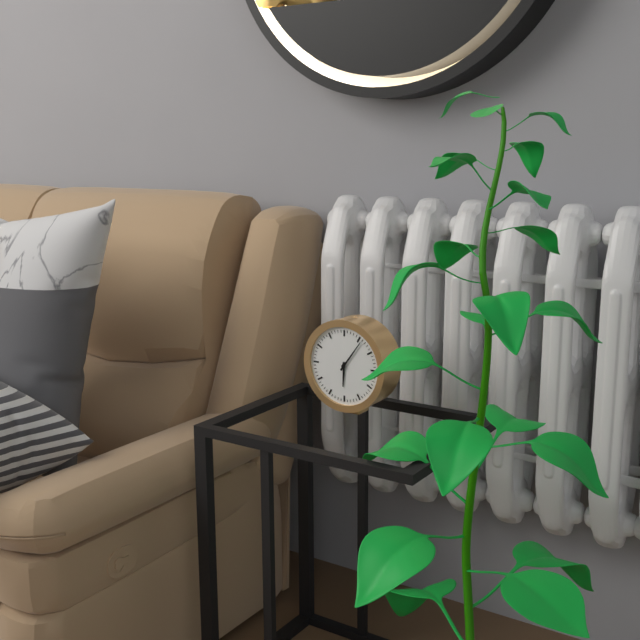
6:06
